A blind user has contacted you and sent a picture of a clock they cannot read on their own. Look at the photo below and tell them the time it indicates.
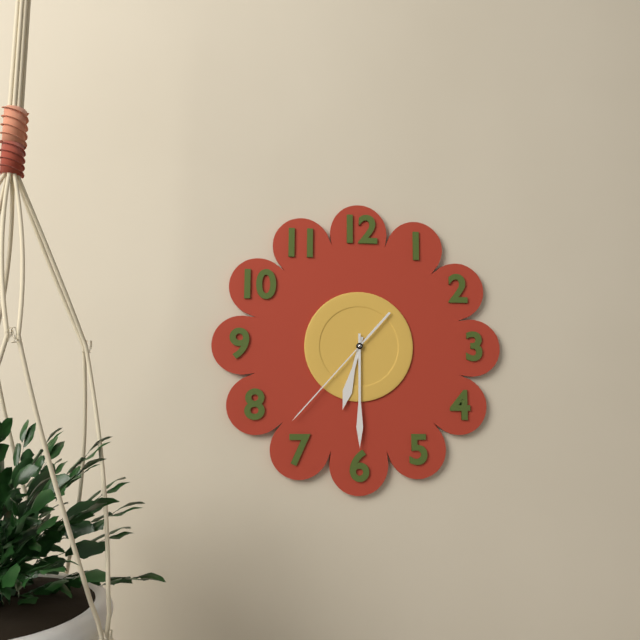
6:30:37
